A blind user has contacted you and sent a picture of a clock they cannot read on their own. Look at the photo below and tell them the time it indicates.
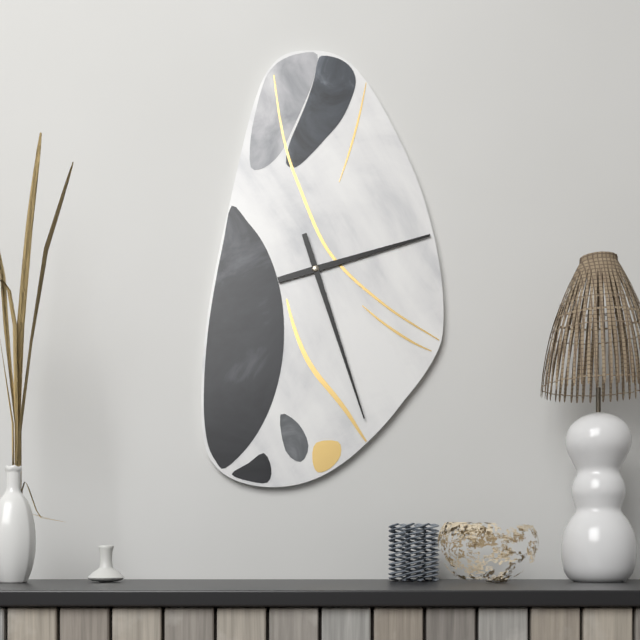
2:27
